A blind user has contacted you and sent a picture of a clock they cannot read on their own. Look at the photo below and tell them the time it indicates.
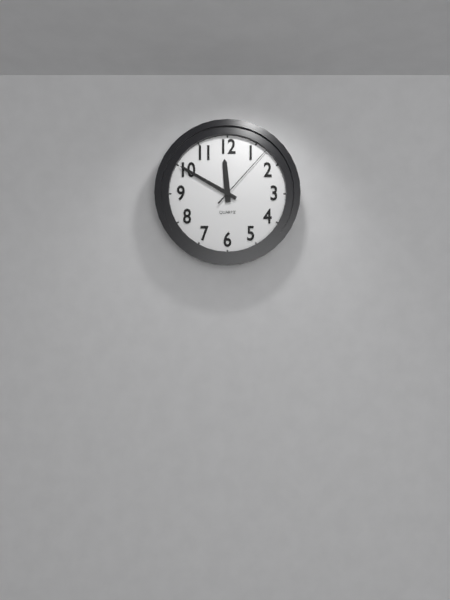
11:50:07
